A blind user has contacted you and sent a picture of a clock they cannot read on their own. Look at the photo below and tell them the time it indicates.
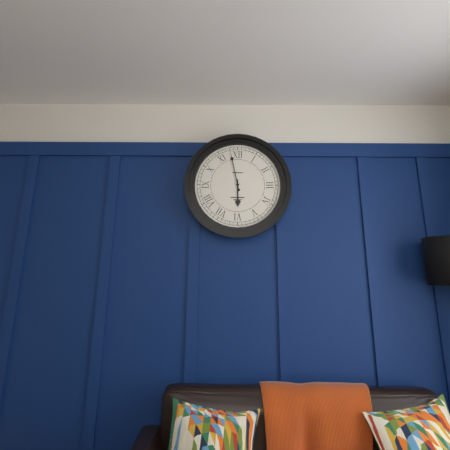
5:58
